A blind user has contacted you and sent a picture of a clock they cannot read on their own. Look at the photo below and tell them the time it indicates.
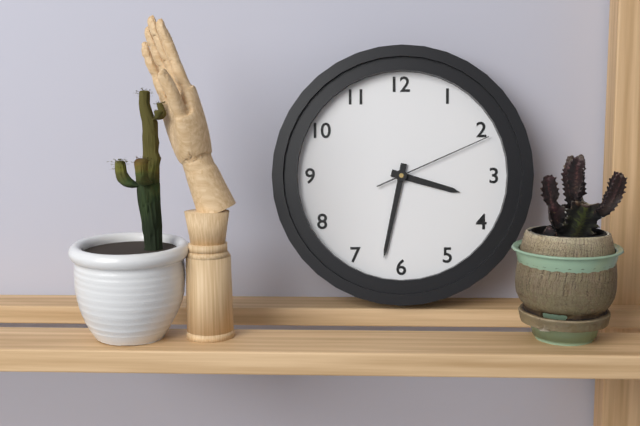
3:32:11
